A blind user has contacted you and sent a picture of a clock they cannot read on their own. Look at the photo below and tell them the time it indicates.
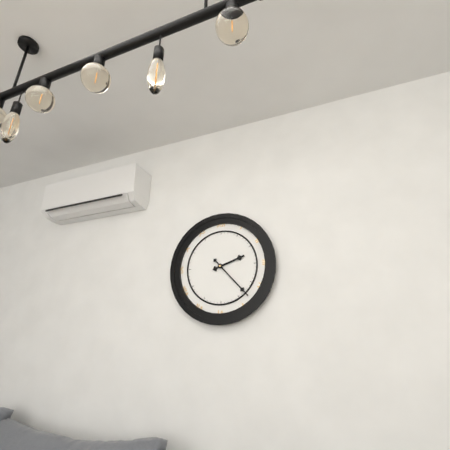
2:23
